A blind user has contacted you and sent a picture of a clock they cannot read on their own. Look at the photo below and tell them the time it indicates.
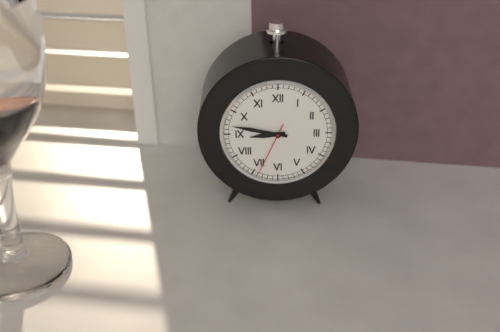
8:47:34
